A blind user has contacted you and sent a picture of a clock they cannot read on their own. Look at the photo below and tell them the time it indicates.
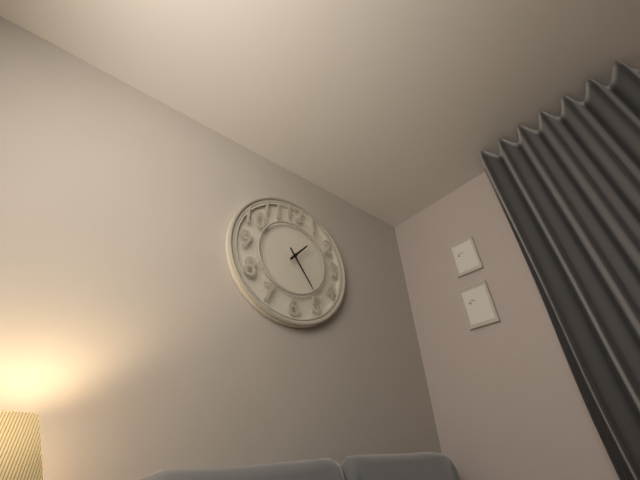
1:24
